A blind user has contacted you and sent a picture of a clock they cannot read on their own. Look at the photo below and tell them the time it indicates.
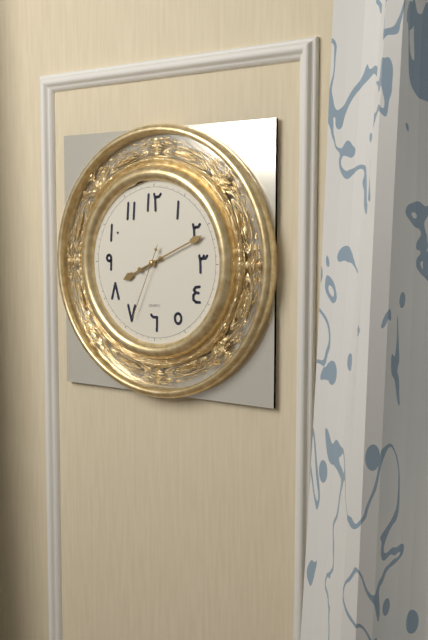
8:11:34
